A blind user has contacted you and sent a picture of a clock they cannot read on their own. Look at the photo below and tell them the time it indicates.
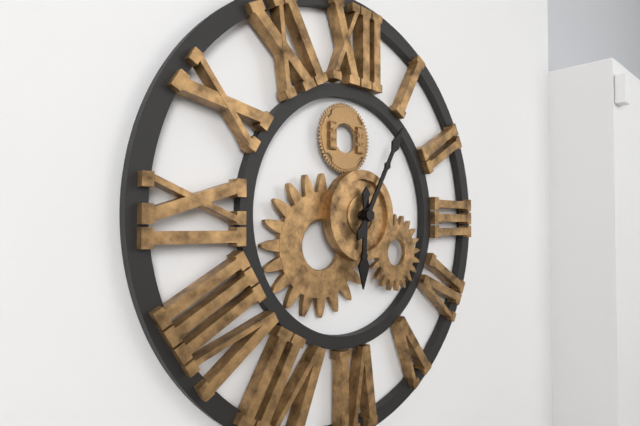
6:05
